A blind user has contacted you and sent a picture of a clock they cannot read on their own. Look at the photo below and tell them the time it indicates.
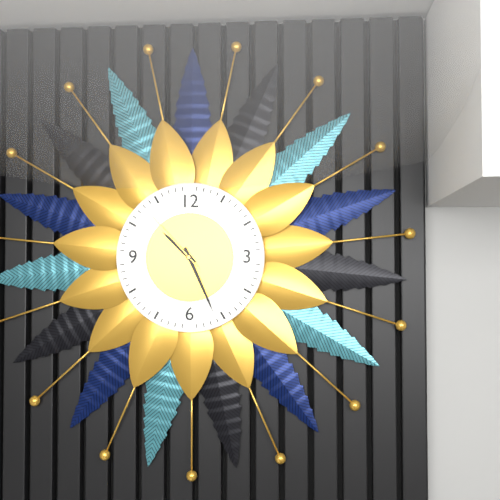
10:26:53
